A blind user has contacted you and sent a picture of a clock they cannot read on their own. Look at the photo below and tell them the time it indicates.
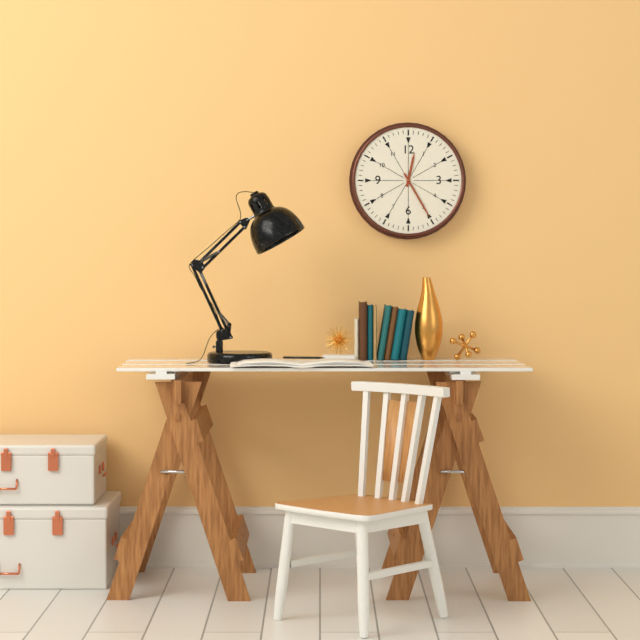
12:25
